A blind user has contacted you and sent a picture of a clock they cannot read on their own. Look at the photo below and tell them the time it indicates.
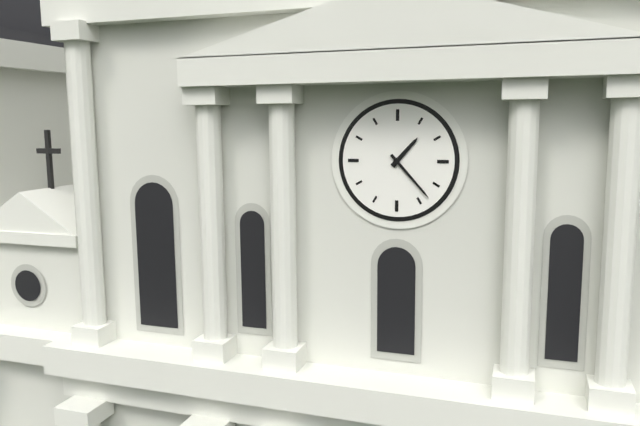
1:23
